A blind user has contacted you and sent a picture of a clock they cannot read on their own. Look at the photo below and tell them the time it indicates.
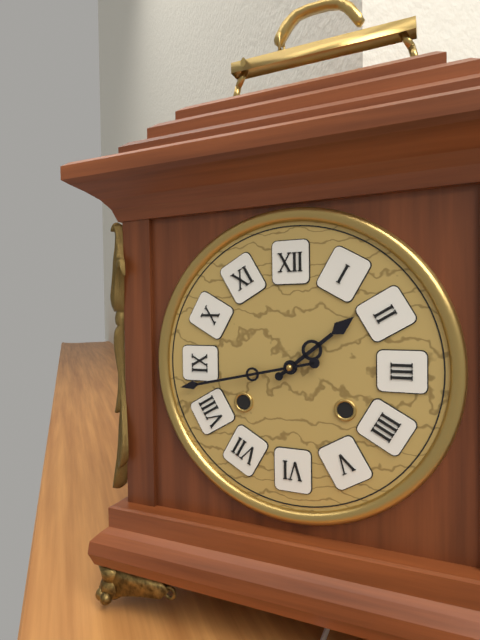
1:43
